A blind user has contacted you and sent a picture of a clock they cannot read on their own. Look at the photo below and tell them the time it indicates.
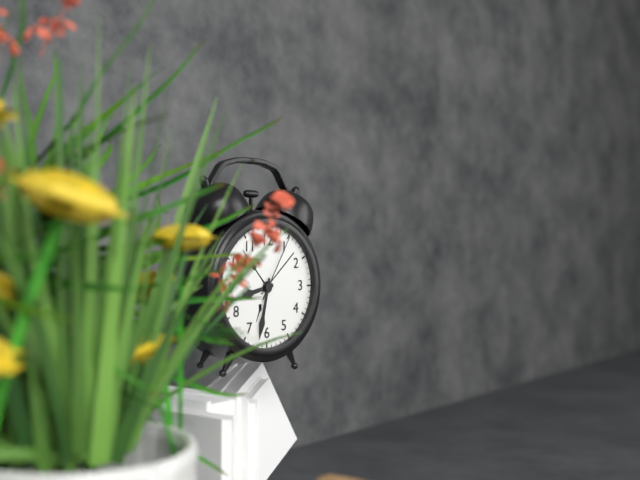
8:32:05
